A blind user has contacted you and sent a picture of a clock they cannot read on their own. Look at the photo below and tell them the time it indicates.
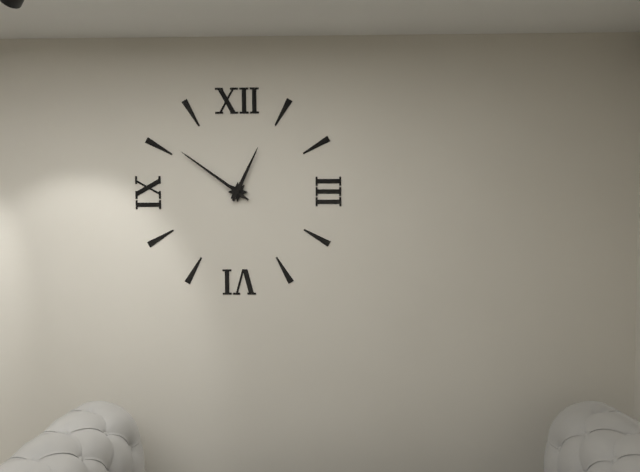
12:51
